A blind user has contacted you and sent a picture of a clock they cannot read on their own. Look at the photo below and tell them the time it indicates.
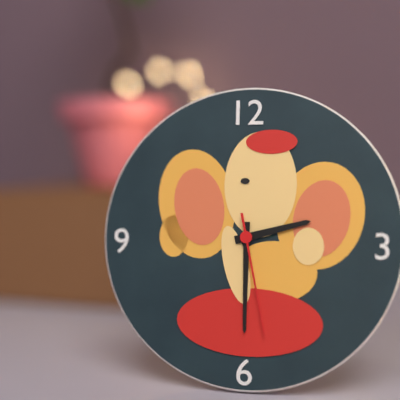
2:30:28
